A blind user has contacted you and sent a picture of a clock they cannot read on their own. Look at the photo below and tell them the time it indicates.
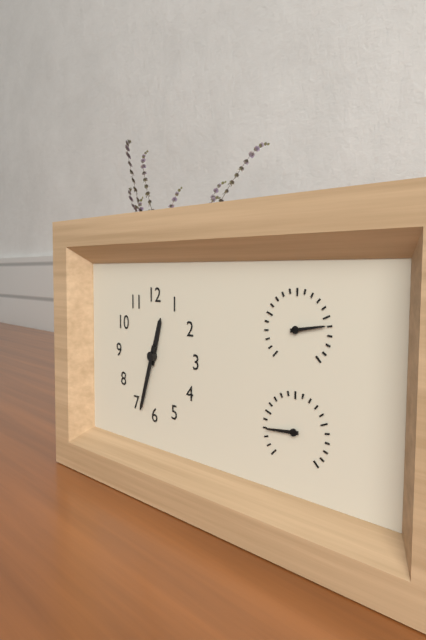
12:33
